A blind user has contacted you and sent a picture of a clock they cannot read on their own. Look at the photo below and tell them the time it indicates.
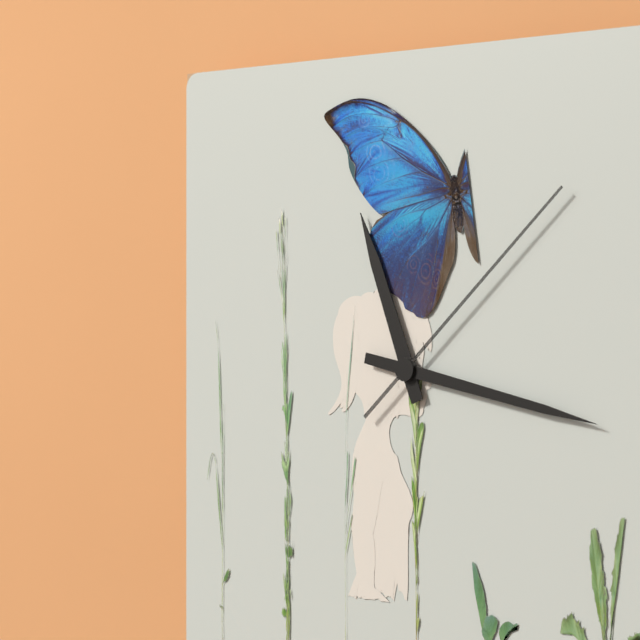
11:17:08
